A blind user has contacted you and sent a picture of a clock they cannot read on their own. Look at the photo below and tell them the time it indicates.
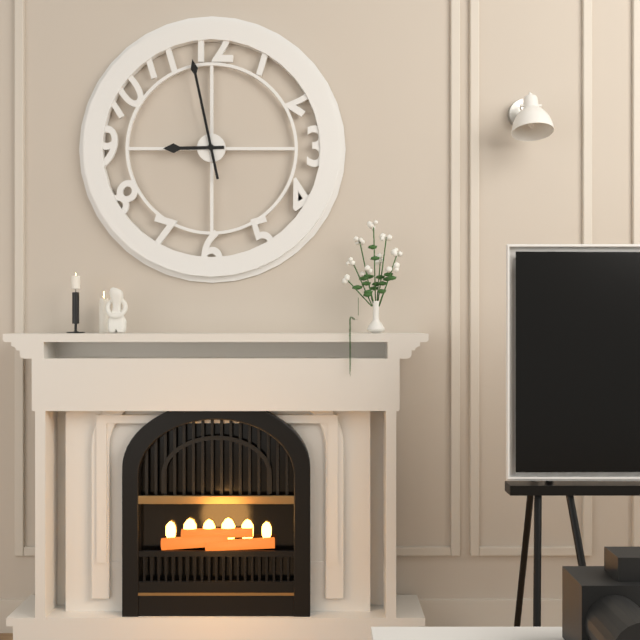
8:58
